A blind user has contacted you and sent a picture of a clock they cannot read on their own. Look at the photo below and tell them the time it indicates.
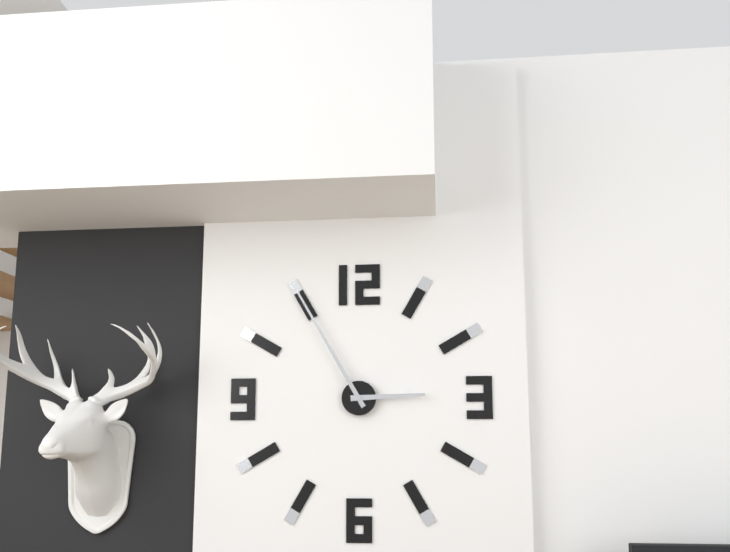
2:55
